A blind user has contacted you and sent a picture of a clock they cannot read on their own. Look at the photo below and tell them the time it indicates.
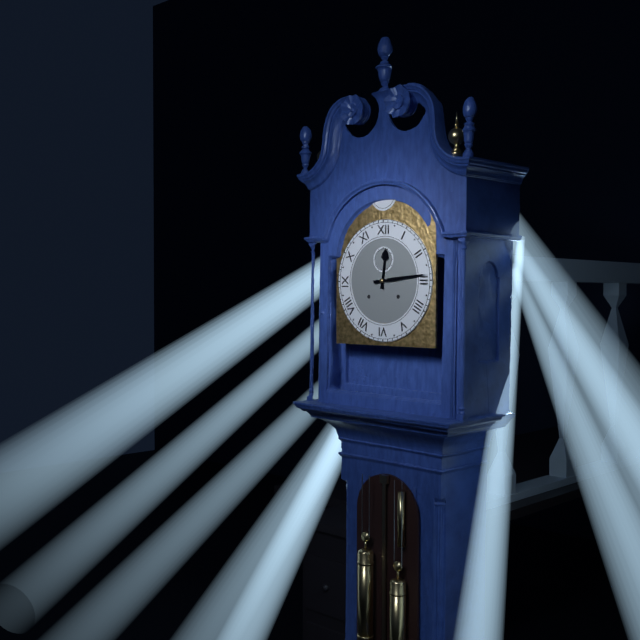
12:14
